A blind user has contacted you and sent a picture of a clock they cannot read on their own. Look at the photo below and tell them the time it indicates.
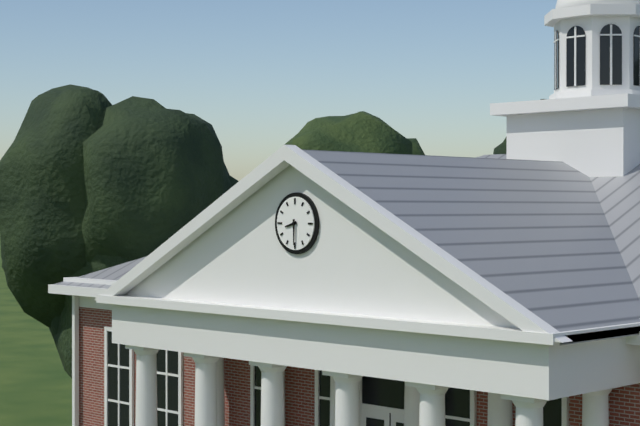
8:30
